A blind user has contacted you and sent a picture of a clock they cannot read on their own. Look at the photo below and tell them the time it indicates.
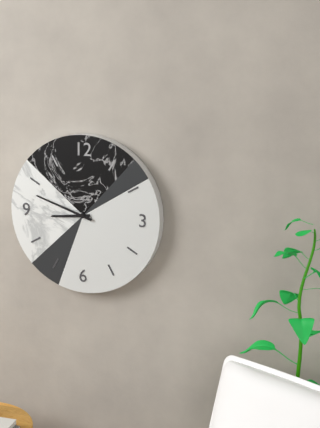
8:48
